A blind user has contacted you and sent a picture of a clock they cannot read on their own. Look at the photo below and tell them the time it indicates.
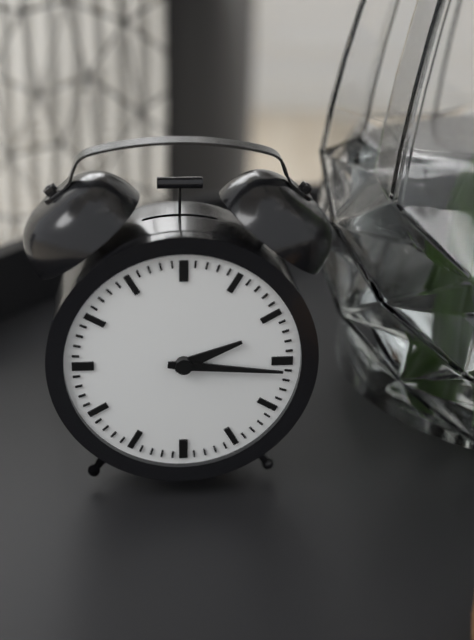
2:16
